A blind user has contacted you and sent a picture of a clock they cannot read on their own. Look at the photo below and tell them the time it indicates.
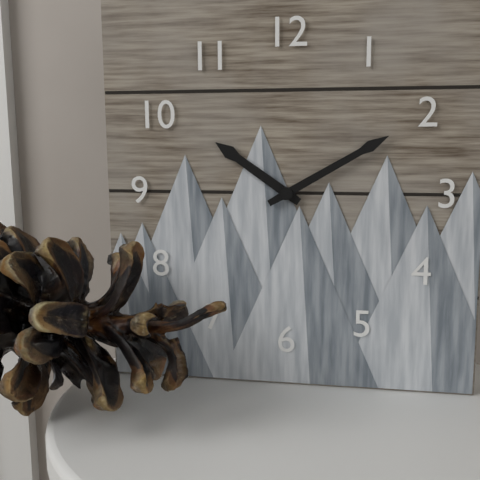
10:10
